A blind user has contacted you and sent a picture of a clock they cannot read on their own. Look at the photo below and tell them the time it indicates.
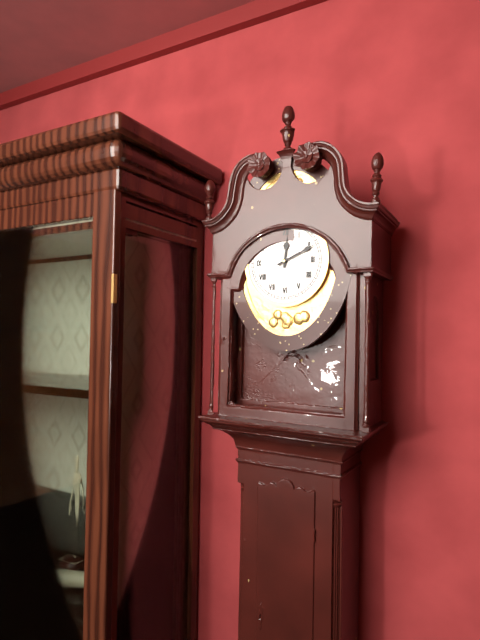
12:11
